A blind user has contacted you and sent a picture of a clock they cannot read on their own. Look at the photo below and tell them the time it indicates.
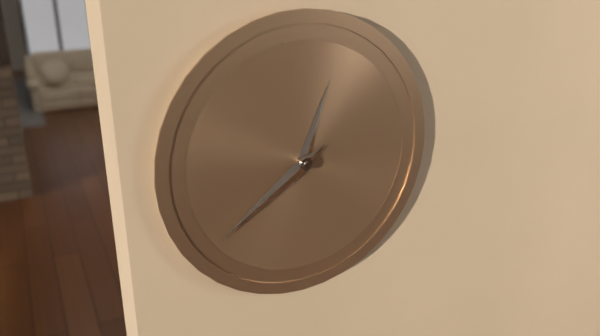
12:39
